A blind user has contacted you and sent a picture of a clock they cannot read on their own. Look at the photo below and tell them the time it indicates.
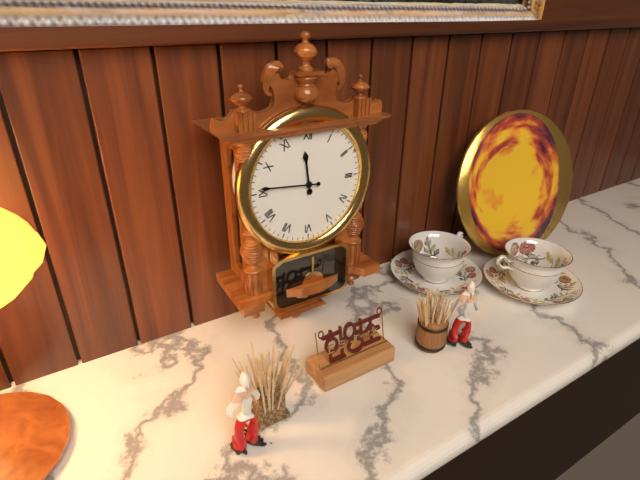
11:46
